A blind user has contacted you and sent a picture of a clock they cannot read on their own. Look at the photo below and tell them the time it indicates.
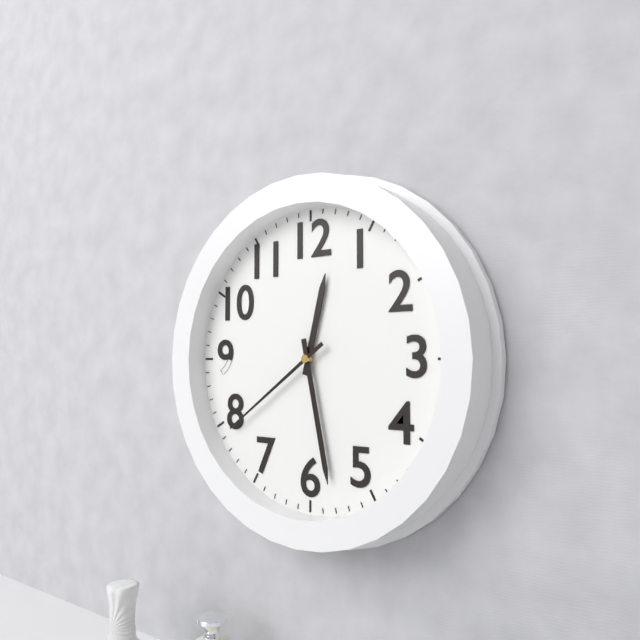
12:28:39
